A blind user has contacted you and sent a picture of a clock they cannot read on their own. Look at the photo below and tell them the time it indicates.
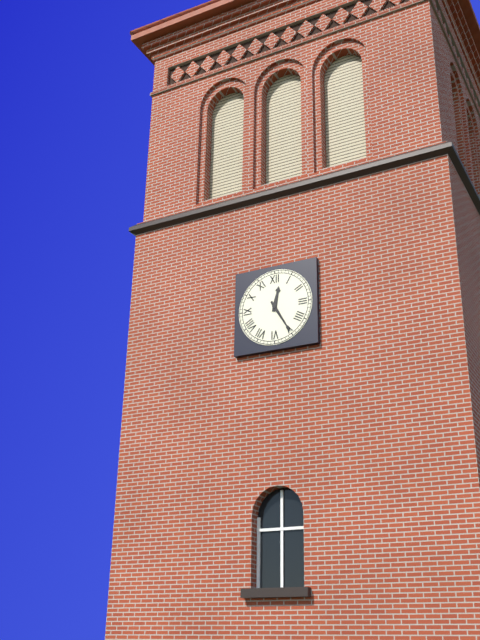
12:25
